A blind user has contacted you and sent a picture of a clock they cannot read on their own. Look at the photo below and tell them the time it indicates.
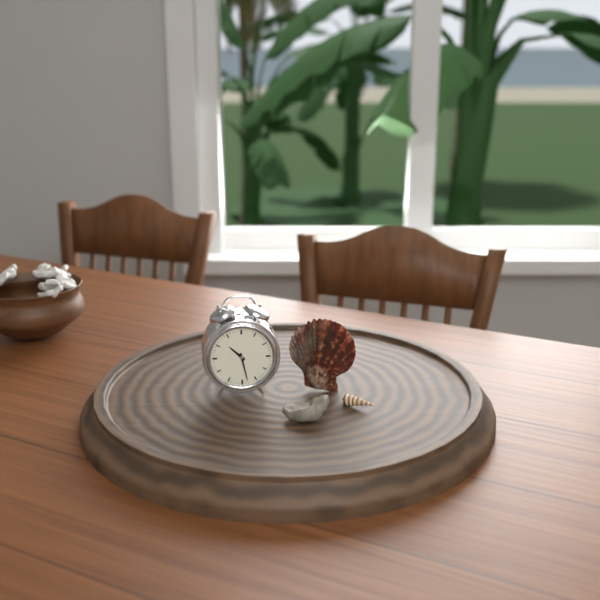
10:28
